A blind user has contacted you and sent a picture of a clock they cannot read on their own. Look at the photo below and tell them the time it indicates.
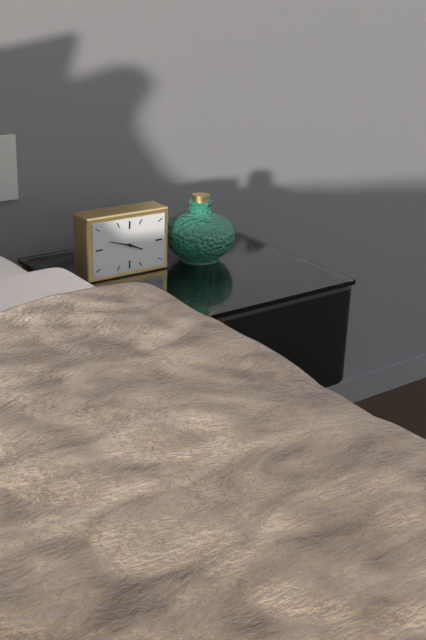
3:48
